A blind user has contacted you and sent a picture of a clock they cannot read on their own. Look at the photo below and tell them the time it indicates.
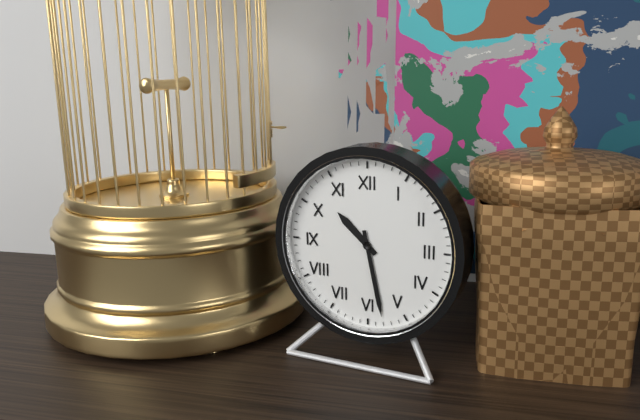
10:28
